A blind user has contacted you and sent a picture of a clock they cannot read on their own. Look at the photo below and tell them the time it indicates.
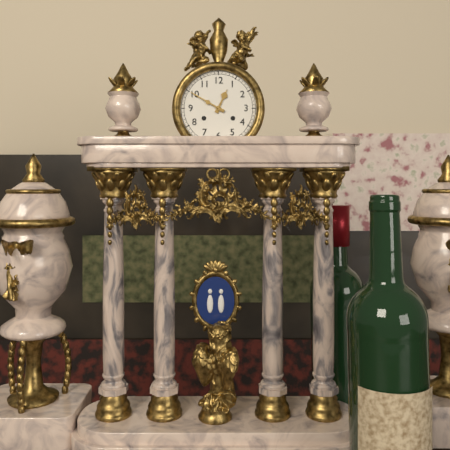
12:50
